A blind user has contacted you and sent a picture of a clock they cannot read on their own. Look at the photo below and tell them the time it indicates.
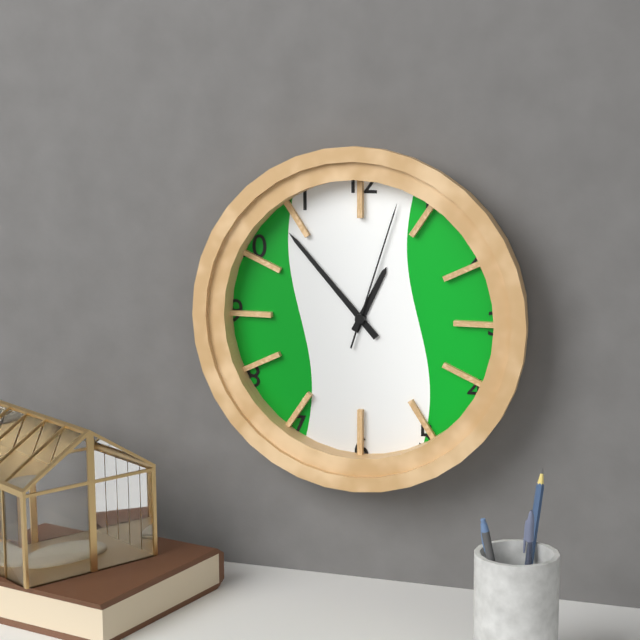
12:53:03
